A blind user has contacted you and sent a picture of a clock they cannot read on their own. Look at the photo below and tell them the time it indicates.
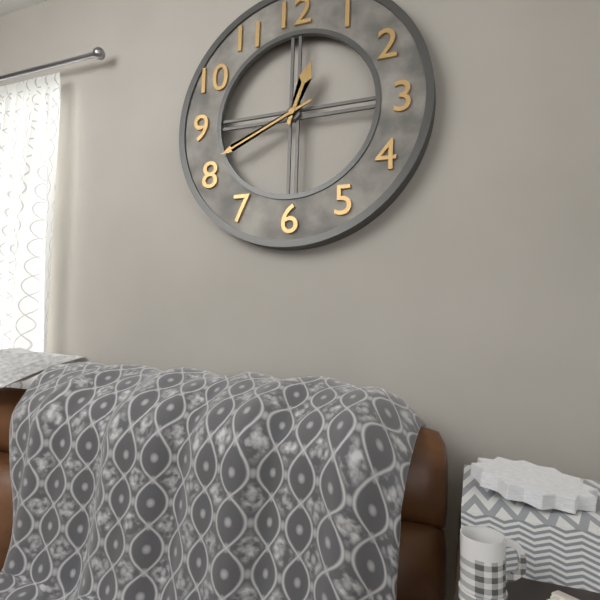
12:41
